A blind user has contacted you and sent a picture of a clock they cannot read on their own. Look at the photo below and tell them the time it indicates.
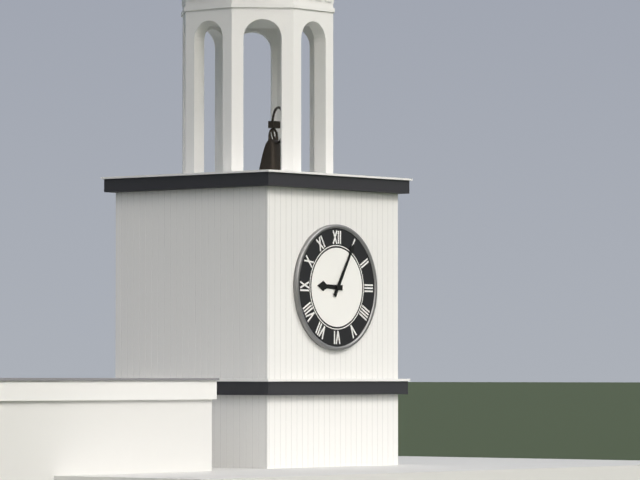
9:05
